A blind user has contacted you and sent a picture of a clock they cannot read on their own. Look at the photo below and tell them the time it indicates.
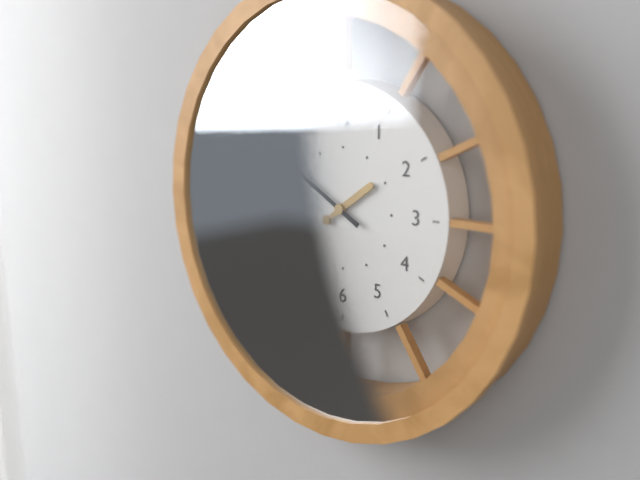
1:50
